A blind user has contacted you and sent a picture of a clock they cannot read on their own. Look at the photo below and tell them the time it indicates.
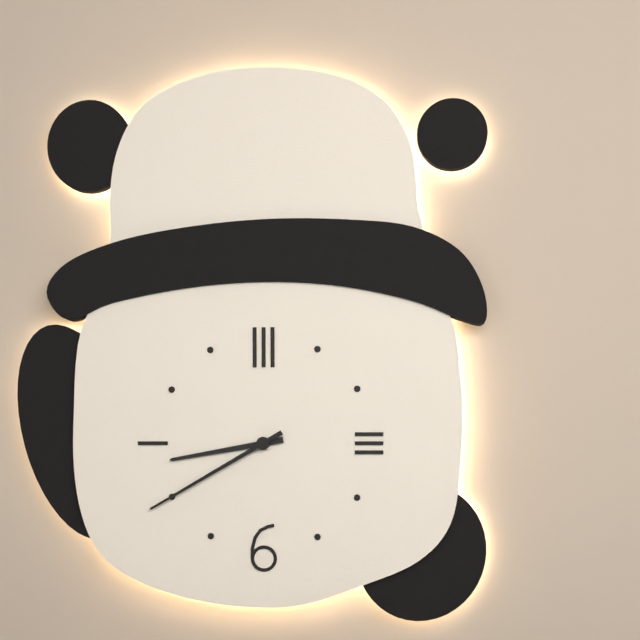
8:40
